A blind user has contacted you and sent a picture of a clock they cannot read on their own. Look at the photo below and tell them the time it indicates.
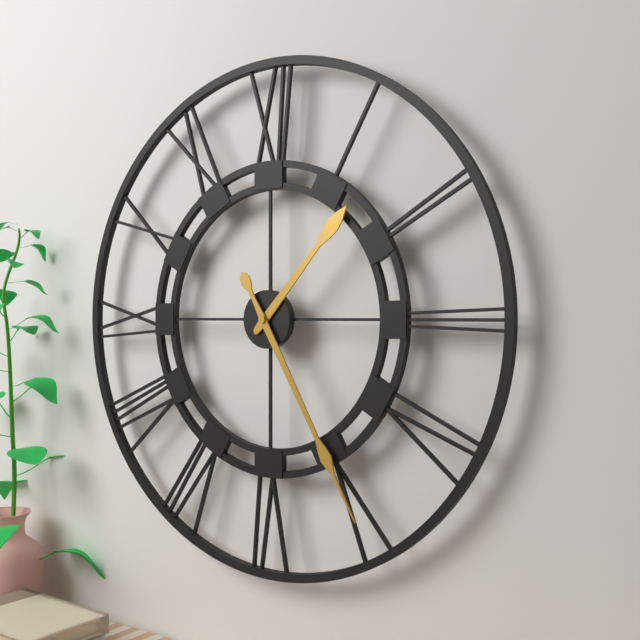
1:25
